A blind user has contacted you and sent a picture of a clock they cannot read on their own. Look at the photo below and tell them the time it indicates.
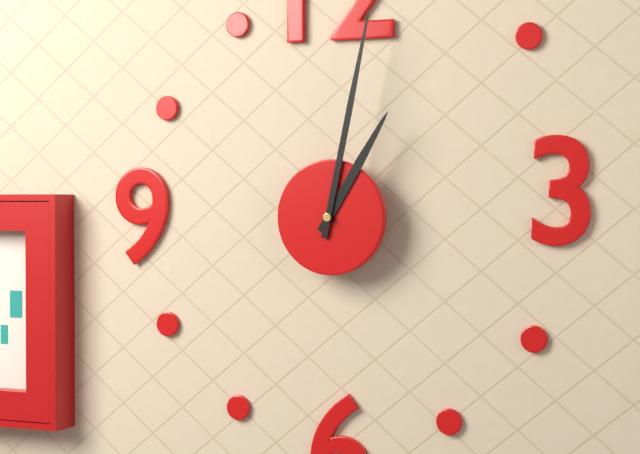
1:02
